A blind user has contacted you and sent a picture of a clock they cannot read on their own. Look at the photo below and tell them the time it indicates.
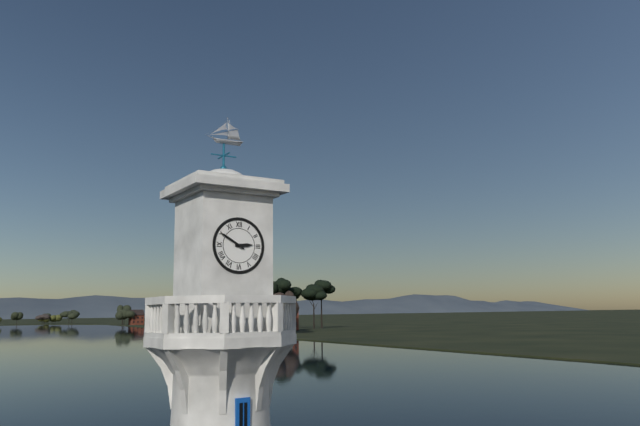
2:50
